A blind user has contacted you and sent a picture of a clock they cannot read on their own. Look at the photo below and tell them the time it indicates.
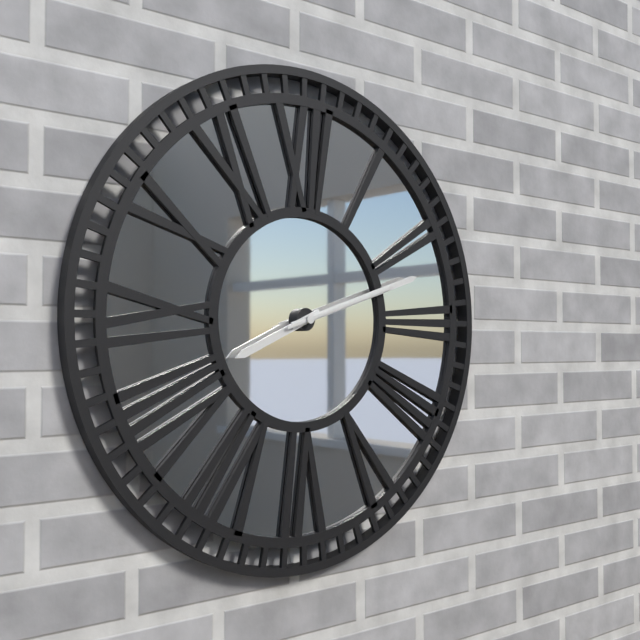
8:12:12
